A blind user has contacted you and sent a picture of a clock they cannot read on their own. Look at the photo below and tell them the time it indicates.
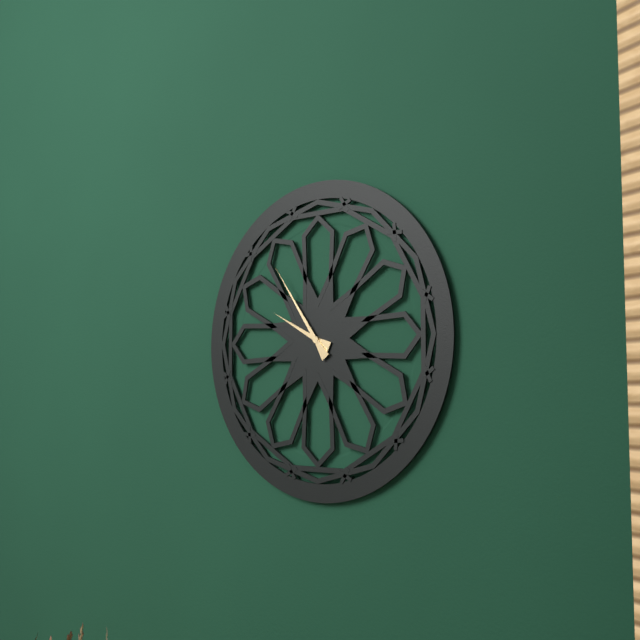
9:54
